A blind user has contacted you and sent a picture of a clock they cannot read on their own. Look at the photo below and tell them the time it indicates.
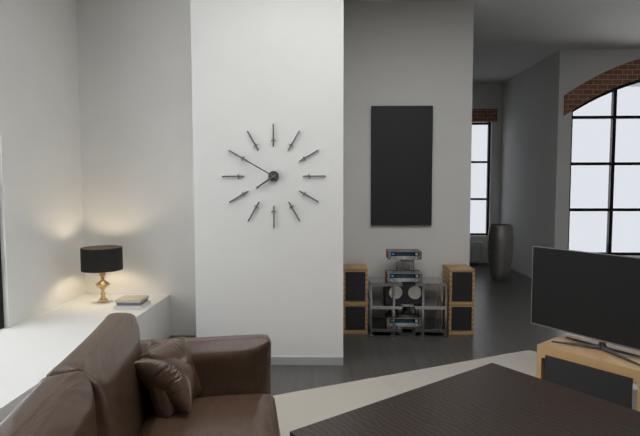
7:50
